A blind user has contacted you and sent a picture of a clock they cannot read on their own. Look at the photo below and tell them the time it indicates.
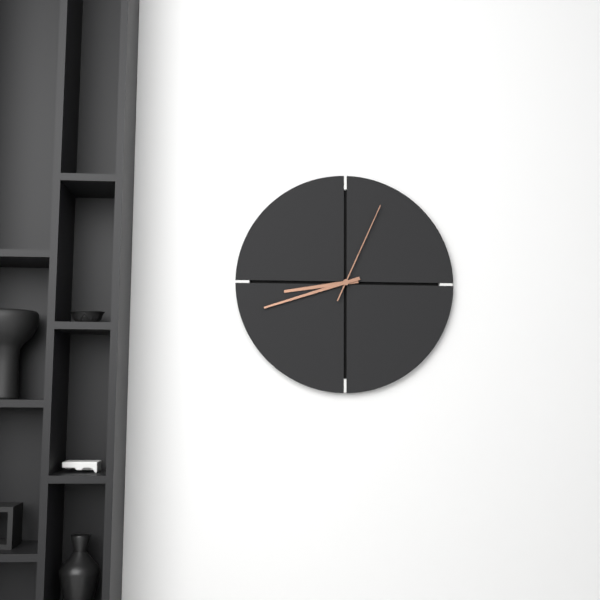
8:42:04
